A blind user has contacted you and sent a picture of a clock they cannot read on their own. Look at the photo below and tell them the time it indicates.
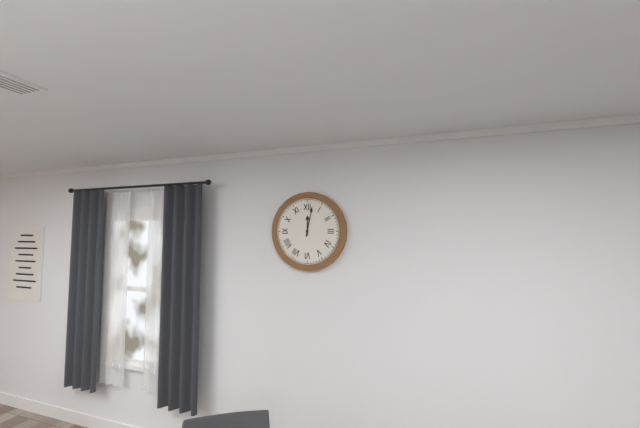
12:02
